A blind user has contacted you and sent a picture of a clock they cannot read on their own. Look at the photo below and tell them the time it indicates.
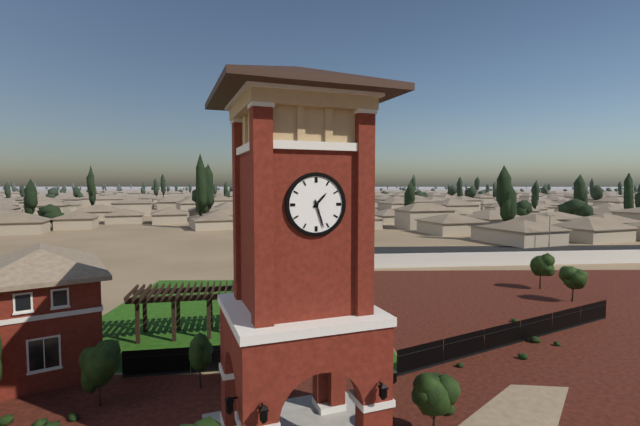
1:27
